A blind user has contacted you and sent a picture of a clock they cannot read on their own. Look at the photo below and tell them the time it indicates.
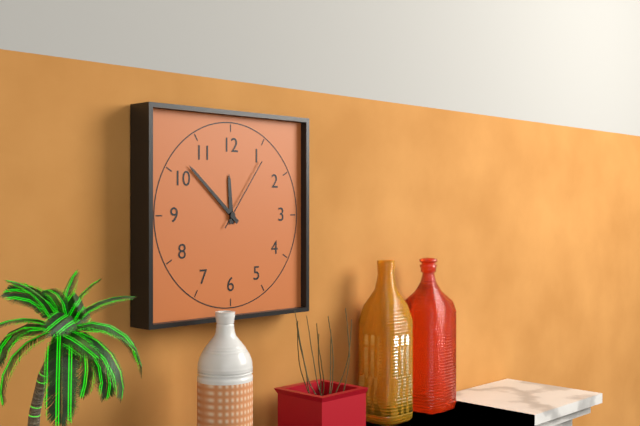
11:52:06
